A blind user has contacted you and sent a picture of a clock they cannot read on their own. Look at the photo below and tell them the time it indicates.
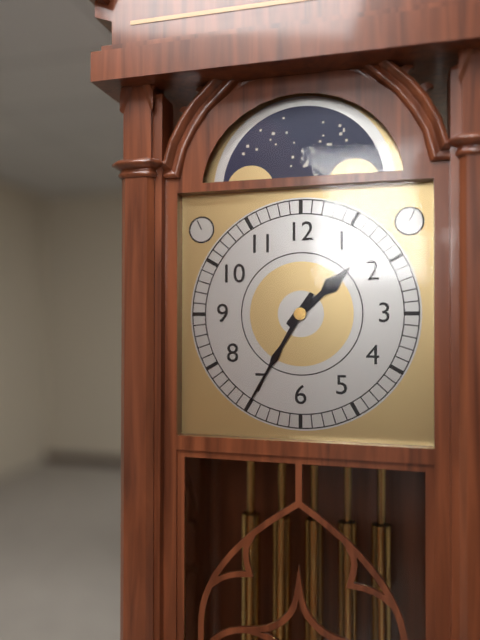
1:35
